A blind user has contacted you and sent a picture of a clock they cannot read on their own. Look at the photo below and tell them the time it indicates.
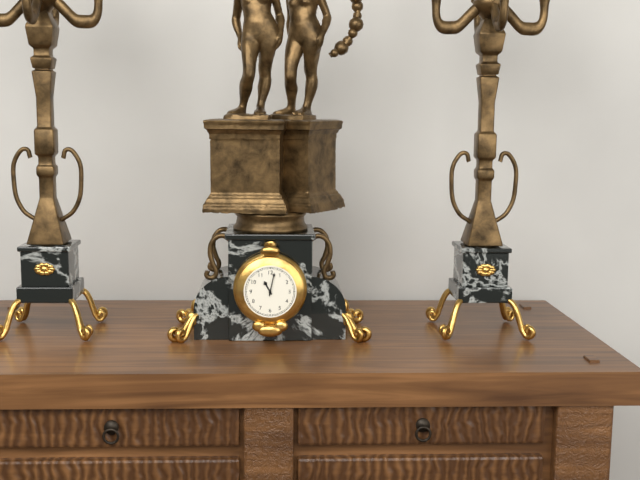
11:02
